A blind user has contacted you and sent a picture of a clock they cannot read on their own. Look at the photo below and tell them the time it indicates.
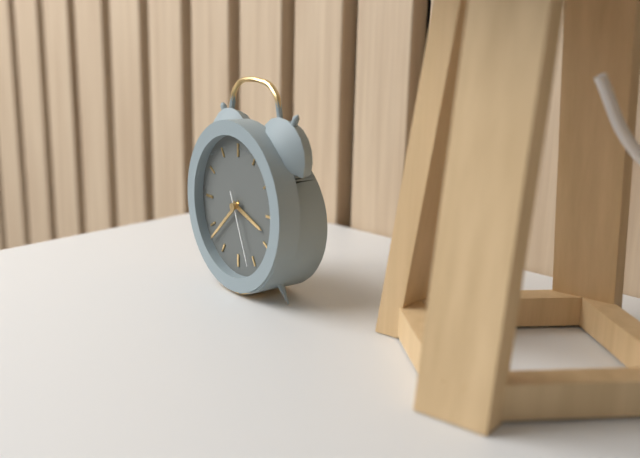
3:38:26
